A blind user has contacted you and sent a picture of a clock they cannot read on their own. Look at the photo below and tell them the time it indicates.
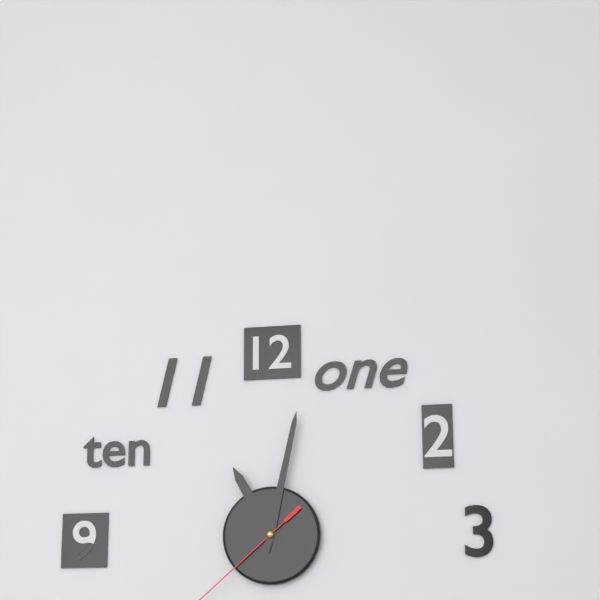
11:02
